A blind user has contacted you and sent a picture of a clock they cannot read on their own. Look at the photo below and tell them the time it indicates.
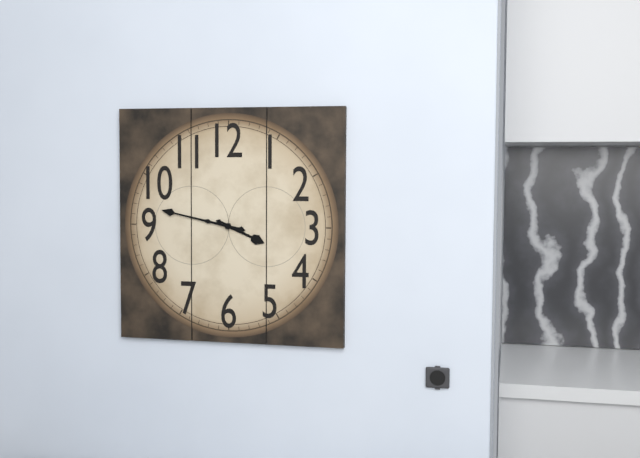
3:47
